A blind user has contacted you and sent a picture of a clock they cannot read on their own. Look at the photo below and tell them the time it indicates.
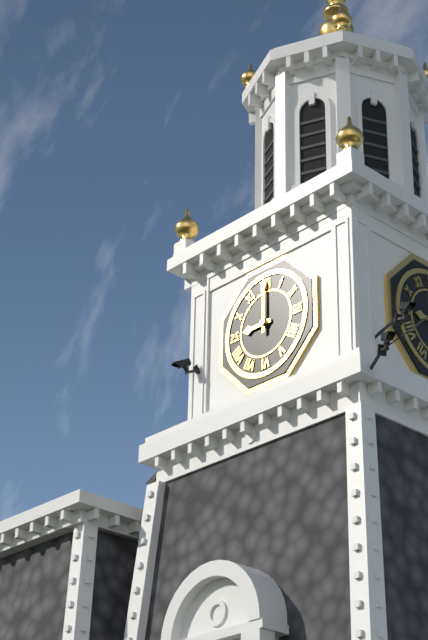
9:00
